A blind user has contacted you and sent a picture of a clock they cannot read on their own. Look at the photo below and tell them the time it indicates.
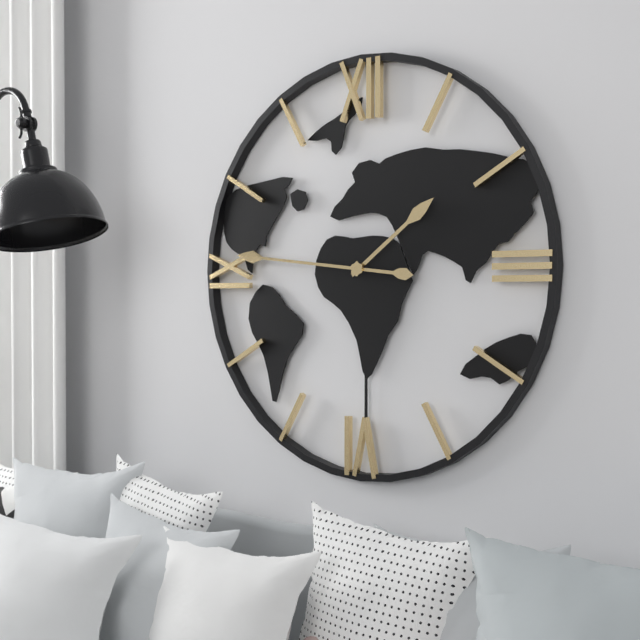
1:46
